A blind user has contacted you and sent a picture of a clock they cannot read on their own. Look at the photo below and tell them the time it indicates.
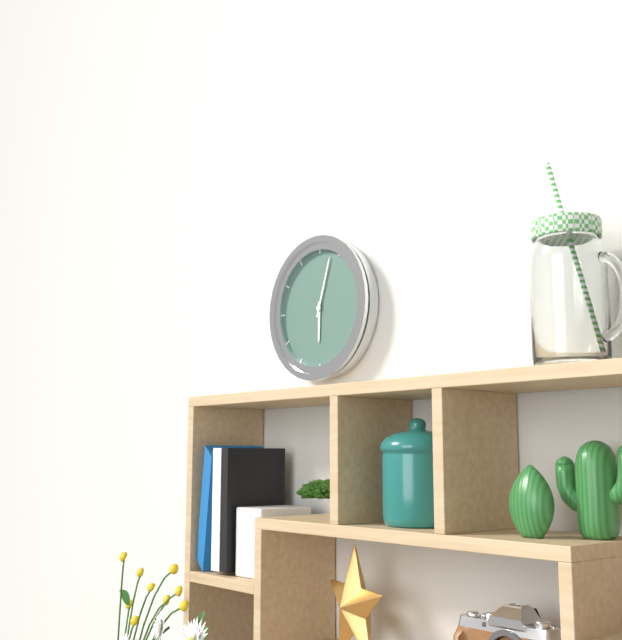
6:03
